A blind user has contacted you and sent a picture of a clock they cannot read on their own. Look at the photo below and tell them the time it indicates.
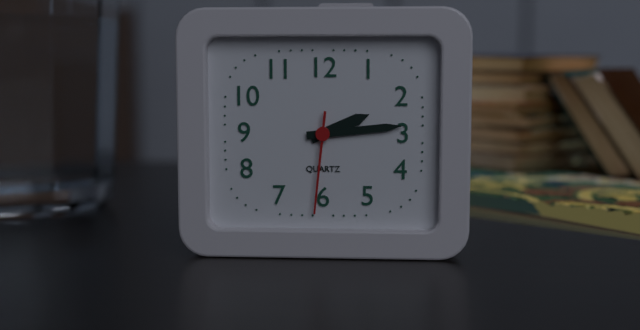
2:14:31
